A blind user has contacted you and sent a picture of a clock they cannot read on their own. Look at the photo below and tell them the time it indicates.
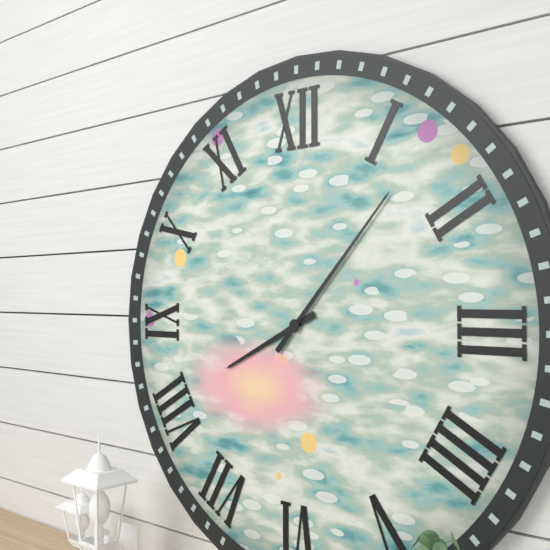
8:07
